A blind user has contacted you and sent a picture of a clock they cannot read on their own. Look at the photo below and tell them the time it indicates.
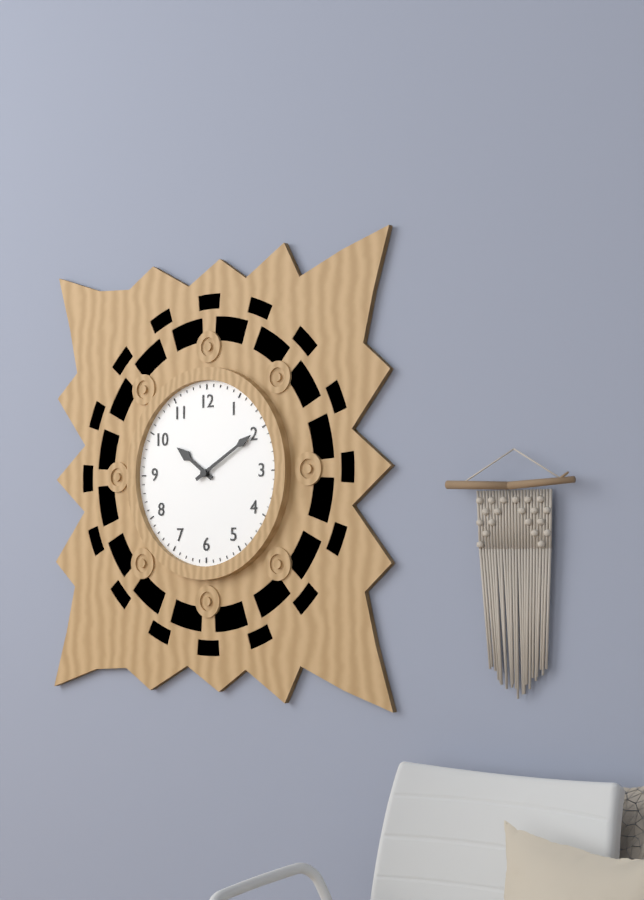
10:10
